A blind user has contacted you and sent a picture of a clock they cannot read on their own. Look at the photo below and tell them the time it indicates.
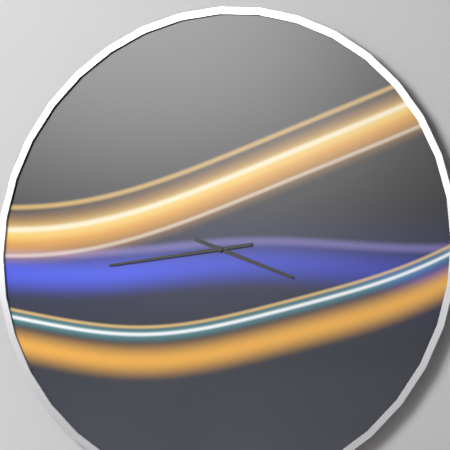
3:44
